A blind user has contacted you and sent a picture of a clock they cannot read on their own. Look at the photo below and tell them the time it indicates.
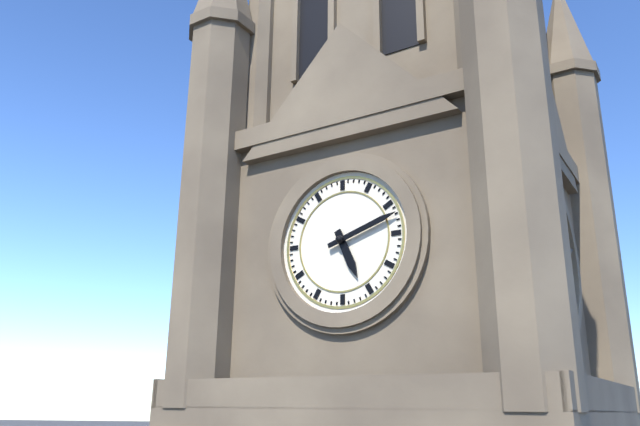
5:12
